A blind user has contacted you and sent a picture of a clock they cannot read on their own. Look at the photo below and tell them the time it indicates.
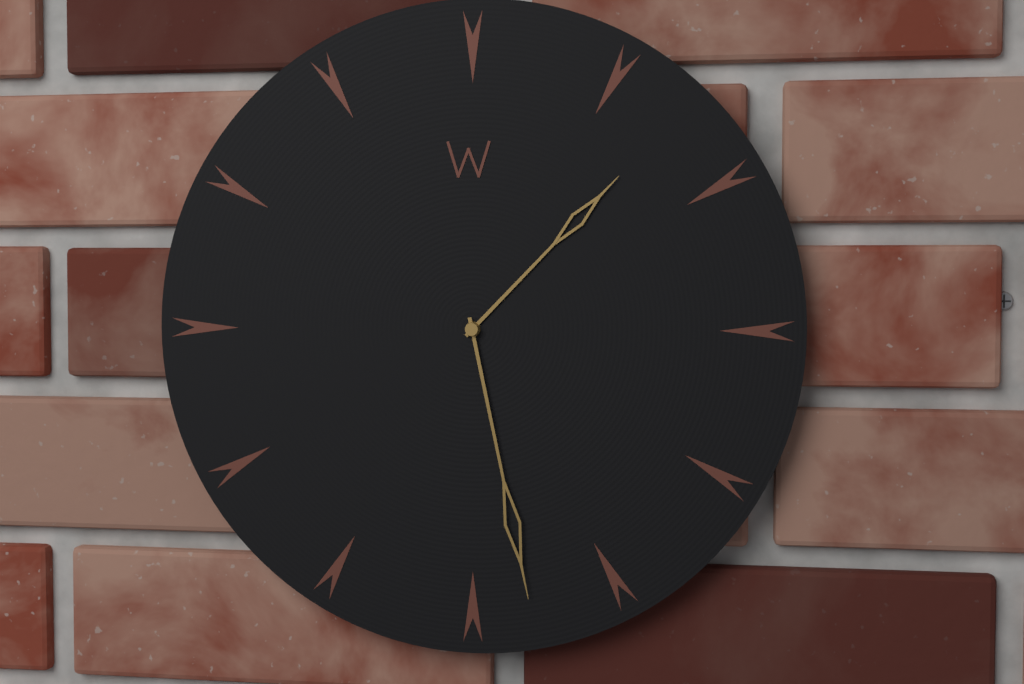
1:28
